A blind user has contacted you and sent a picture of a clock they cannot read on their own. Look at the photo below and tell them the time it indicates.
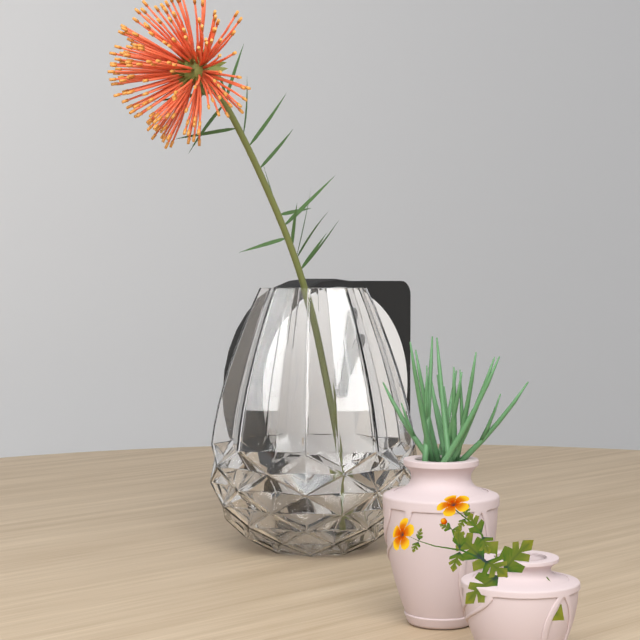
1:02
